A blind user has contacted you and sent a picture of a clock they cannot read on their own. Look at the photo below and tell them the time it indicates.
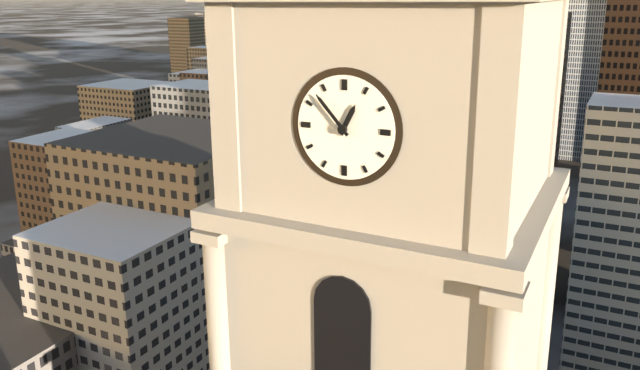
12:53
